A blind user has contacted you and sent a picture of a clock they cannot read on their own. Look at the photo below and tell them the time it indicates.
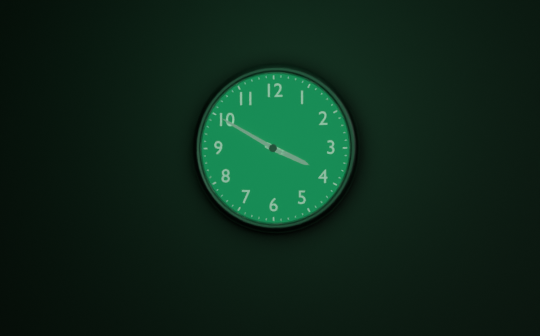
3:50
